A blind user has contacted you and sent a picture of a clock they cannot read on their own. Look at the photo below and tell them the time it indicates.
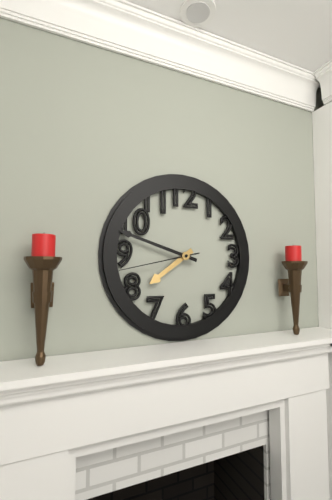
7:48:43
